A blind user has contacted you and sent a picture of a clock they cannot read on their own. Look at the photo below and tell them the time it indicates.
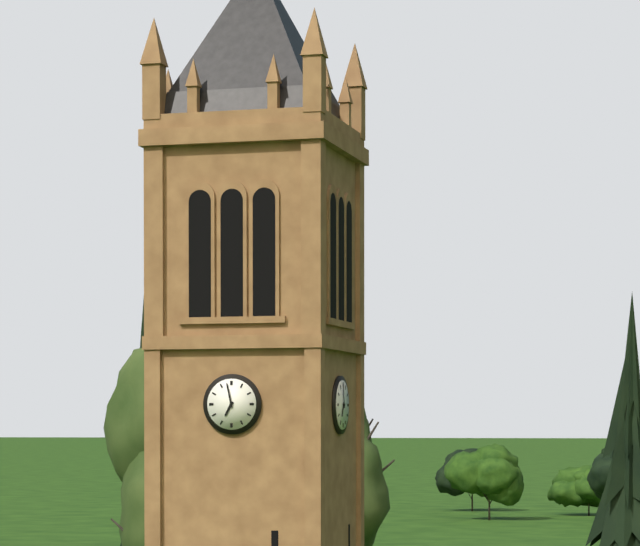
6:58
